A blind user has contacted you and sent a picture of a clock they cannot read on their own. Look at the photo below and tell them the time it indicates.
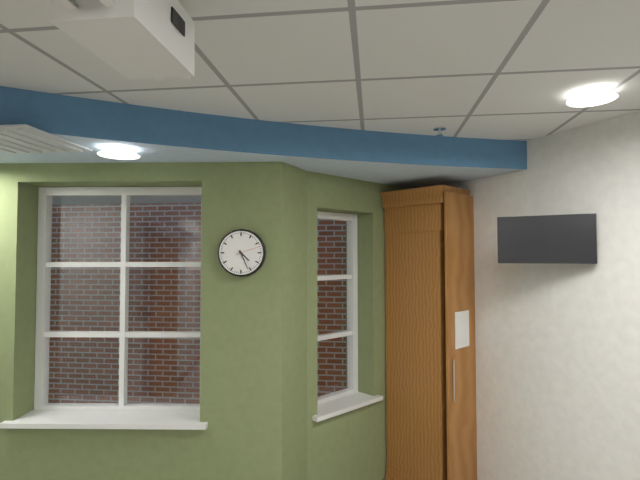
4:26
